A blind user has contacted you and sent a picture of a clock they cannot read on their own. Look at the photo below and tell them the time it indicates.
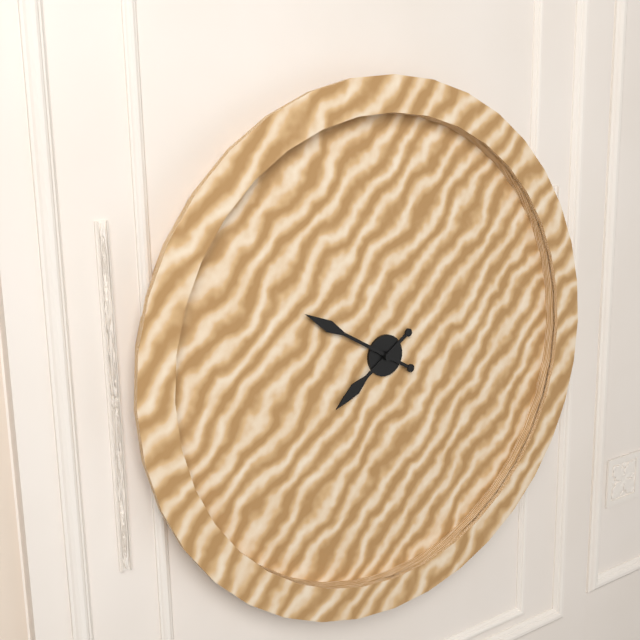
7:50
